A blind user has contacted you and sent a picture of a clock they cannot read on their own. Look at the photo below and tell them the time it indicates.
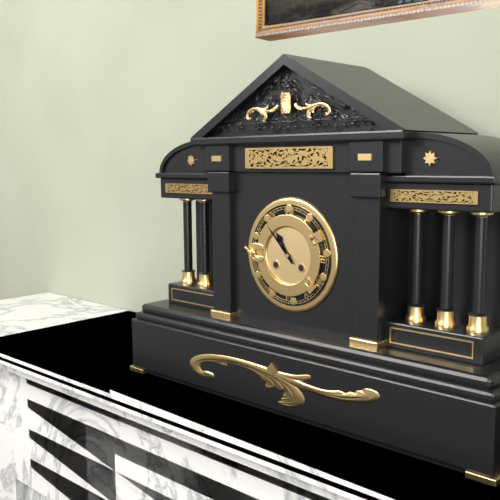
10:53
